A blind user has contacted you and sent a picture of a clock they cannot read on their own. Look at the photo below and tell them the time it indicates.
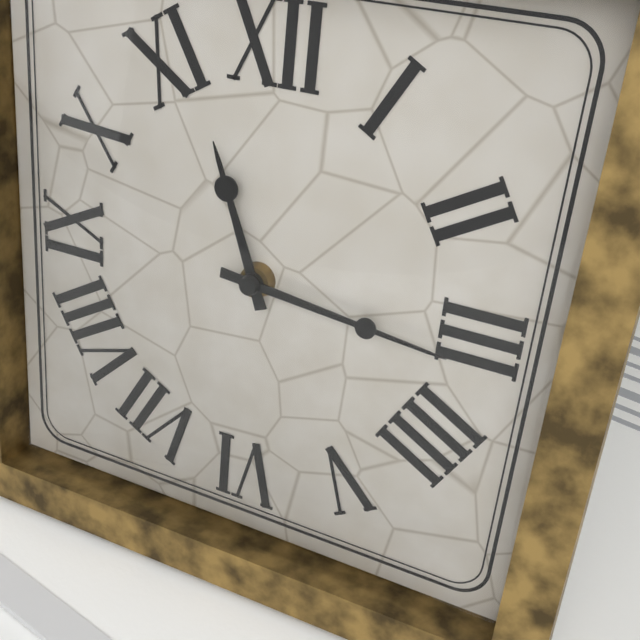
11:16
